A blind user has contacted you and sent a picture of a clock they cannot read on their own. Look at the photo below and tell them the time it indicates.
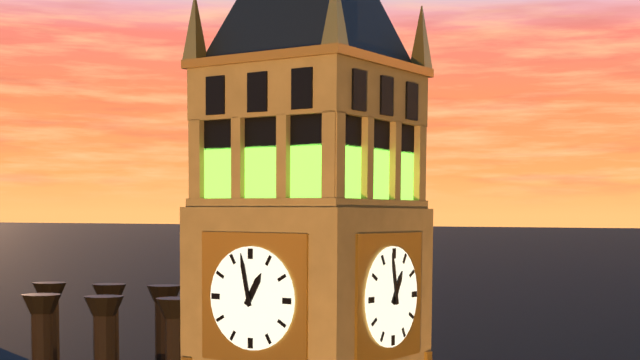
12:58
